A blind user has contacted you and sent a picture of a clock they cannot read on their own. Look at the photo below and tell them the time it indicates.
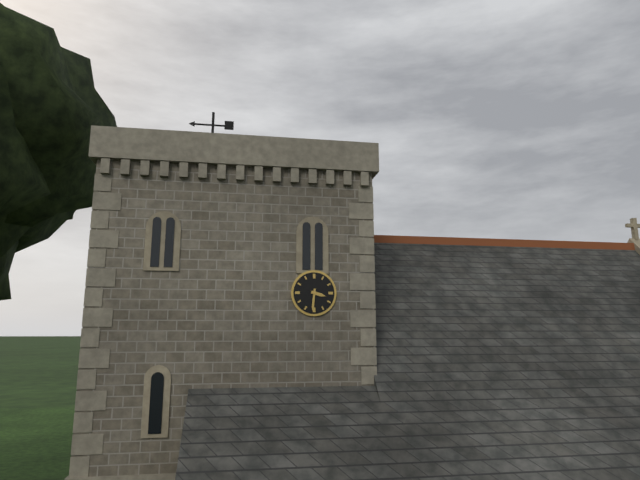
3:31
